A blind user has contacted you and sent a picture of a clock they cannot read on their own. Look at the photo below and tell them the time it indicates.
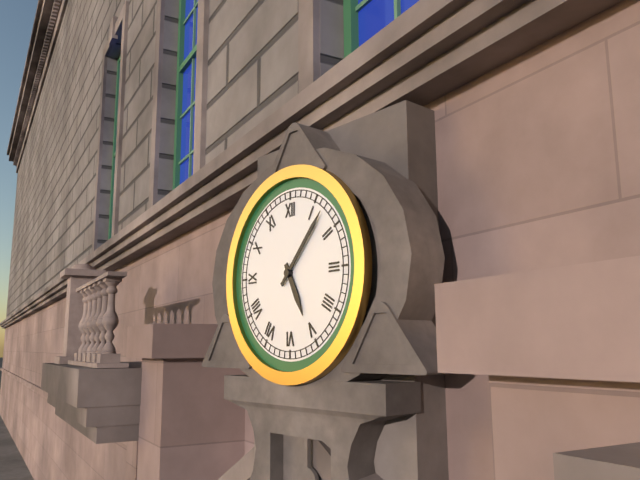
5:07
